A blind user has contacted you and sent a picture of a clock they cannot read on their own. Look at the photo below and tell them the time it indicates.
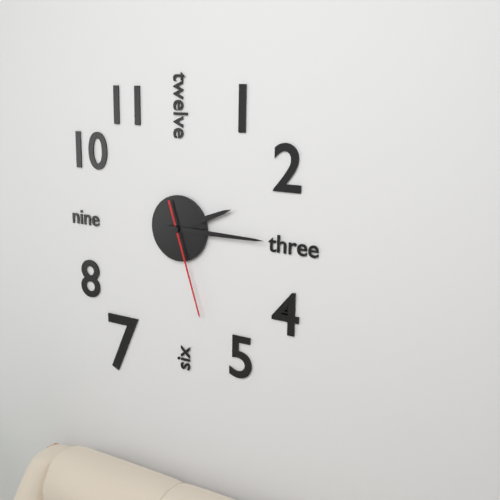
2:15:27
